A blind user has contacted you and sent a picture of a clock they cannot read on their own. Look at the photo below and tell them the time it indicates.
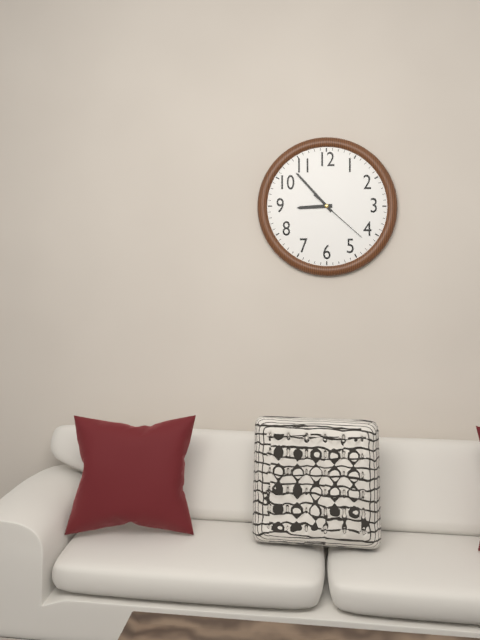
8:53:22
